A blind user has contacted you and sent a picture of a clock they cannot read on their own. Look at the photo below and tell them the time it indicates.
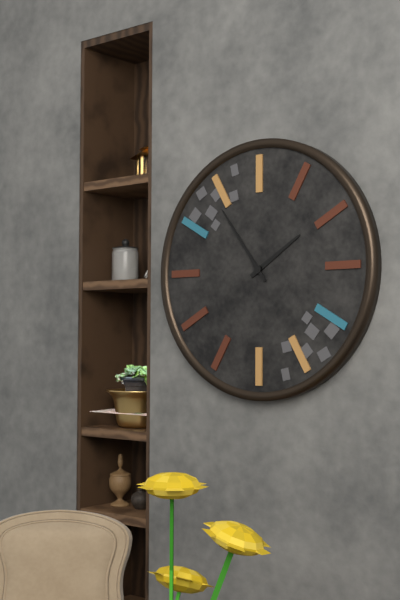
1:54
